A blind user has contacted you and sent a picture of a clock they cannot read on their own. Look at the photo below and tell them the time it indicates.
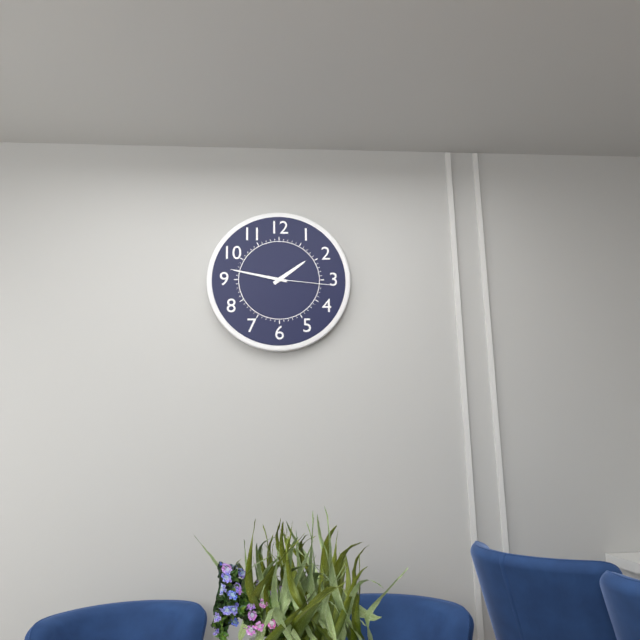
1:47:16
